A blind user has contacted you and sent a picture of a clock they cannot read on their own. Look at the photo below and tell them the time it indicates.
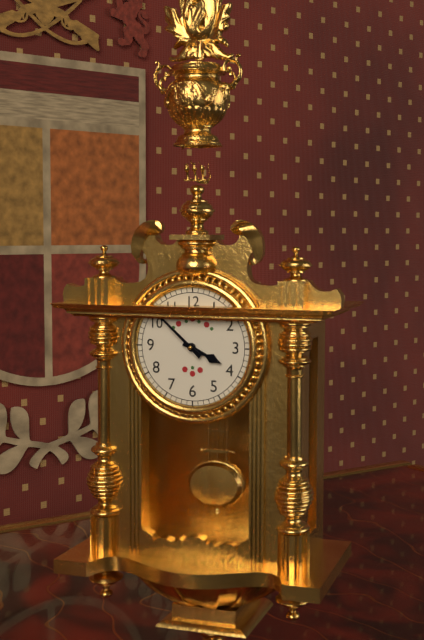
3:52
